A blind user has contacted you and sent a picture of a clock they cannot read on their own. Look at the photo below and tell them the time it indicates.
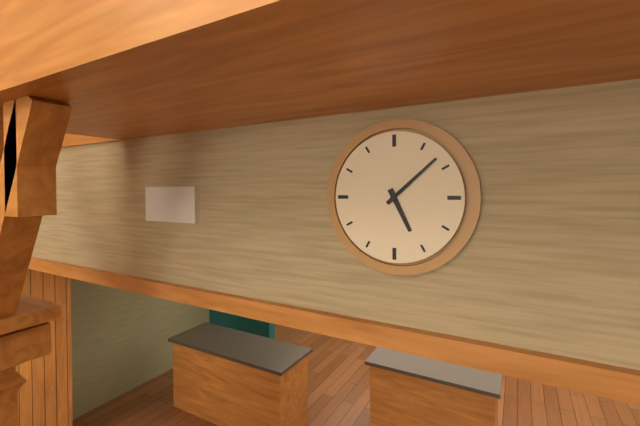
5:08
